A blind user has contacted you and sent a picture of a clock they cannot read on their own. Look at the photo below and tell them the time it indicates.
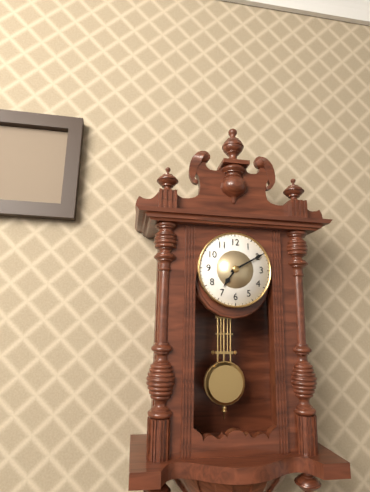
7:10
